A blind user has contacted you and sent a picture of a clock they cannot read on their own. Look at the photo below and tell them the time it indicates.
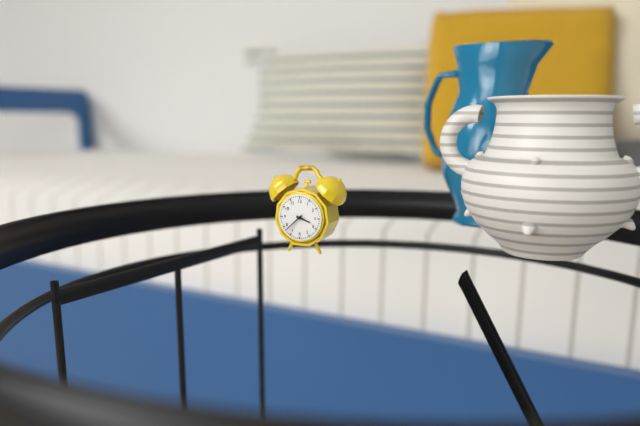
3:38
